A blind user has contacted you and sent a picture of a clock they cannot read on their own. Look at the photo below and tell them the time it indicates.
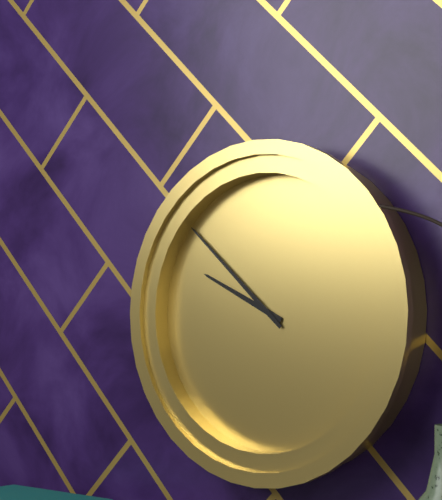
9:52
